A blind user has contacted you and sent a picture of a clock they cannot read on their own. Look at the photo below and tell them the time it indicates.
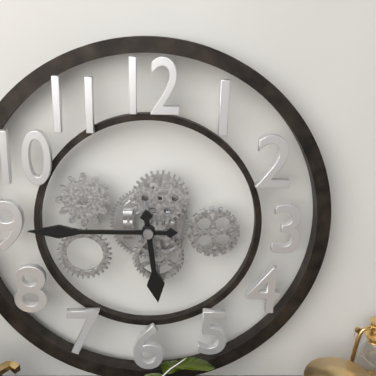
5:45
